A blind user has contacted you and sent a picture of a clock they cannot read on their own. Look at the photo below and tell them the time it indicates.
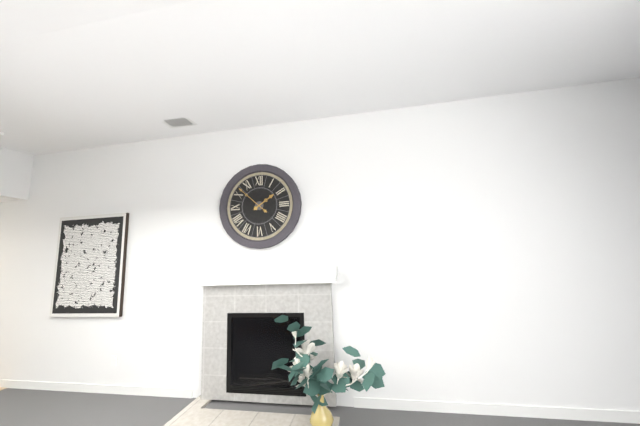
1:52
